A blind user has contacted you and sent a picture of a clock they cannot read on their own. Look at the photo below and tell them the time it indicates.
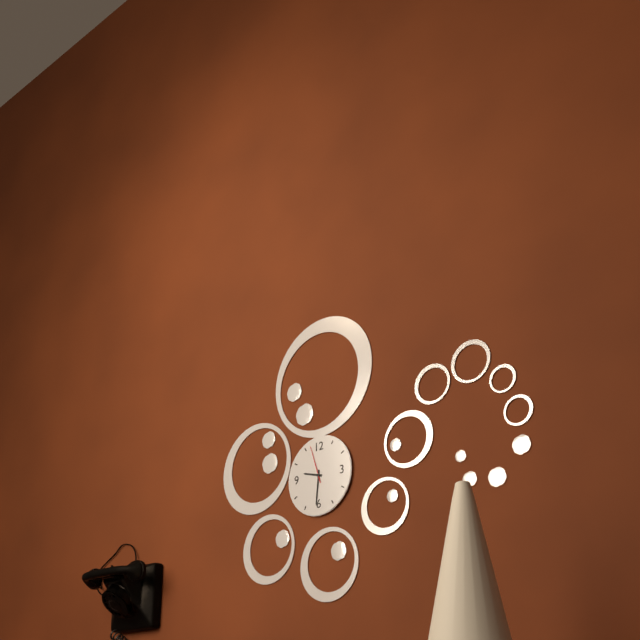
9:31
